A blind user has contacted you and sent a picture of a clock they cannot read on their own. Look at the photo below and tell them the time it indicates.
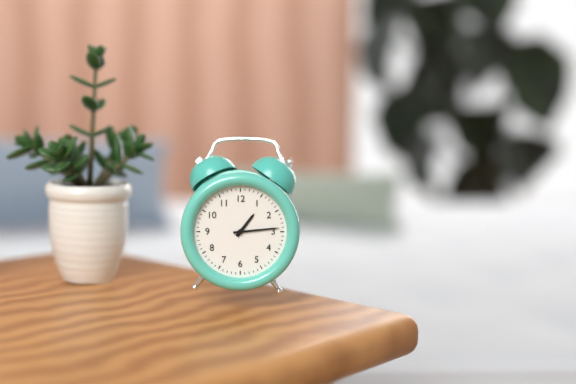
1:14
